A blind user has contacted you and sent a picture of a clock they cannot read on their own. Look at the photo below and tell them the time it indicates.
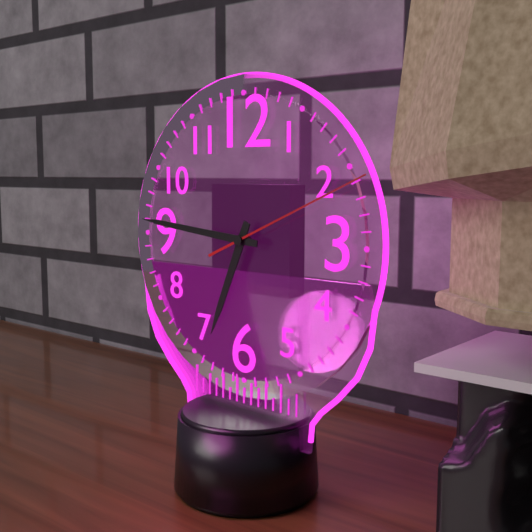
6:46:11
